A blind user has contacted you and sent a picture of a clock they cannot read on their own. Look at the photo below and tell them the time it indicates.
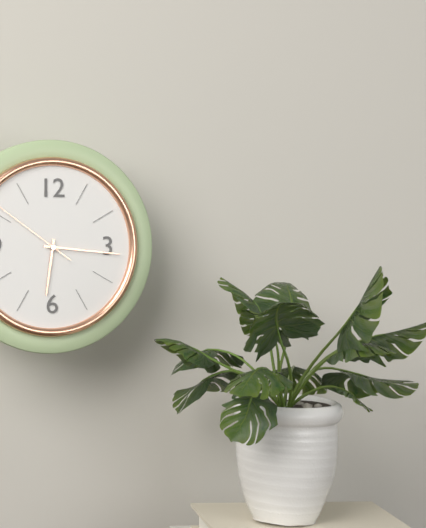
6:16
